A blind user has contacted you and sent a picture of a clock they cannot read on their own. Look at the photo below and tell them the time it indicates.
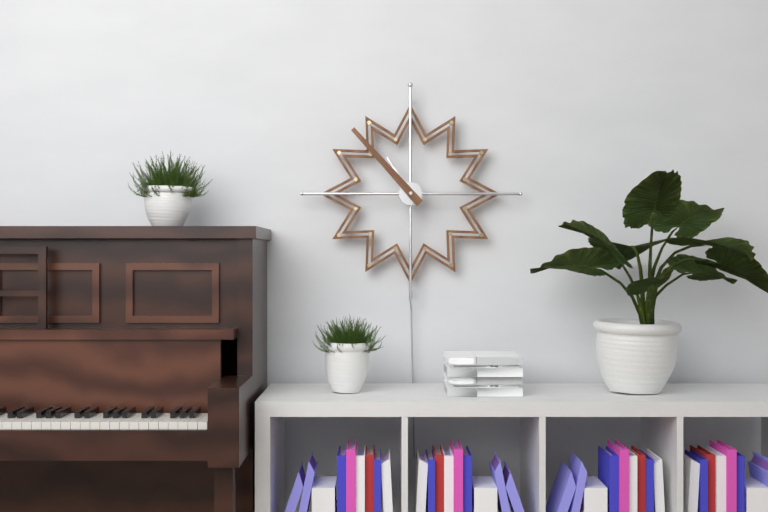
10:53
